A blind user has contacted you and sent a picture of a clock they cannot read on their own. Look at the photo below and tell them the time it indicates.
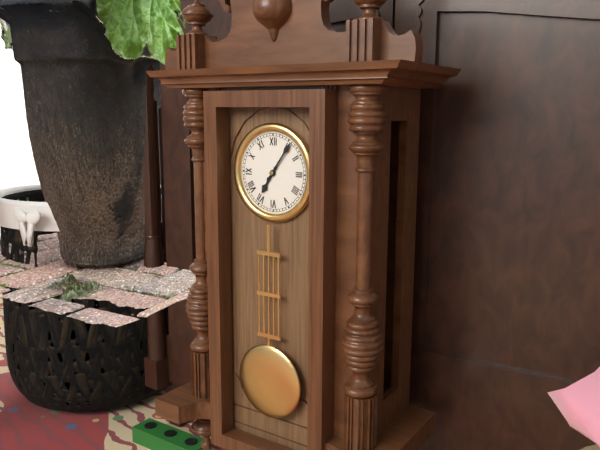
7:06
